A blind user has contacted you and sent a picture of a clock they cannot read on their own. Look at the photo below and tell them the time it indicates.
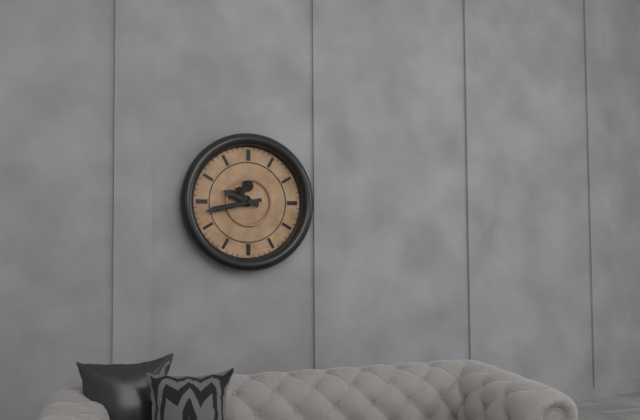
9:43
